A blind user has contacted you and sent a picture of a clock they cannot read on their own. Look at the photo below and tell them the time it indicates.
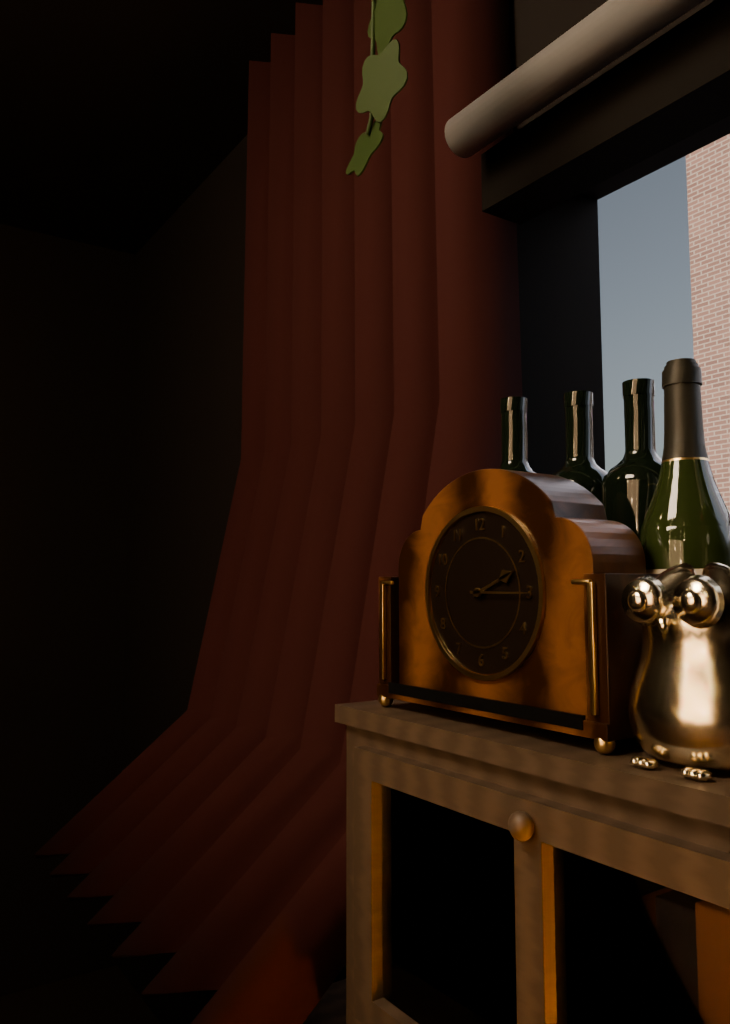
2:15
